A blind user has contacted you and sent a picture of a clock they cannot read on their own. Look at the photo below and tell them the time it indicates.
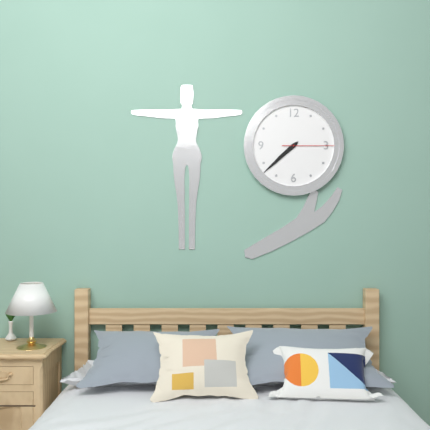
7:38:15
